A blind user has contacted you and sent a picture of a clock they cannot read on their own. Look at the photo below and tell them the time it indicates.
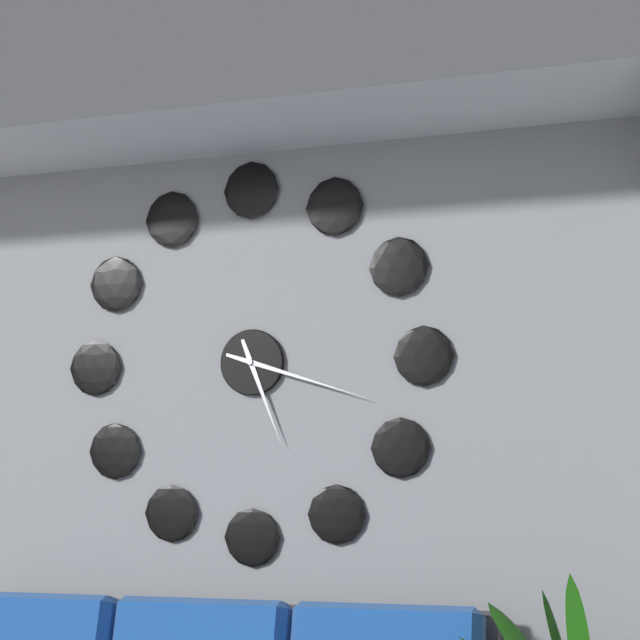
5:18
